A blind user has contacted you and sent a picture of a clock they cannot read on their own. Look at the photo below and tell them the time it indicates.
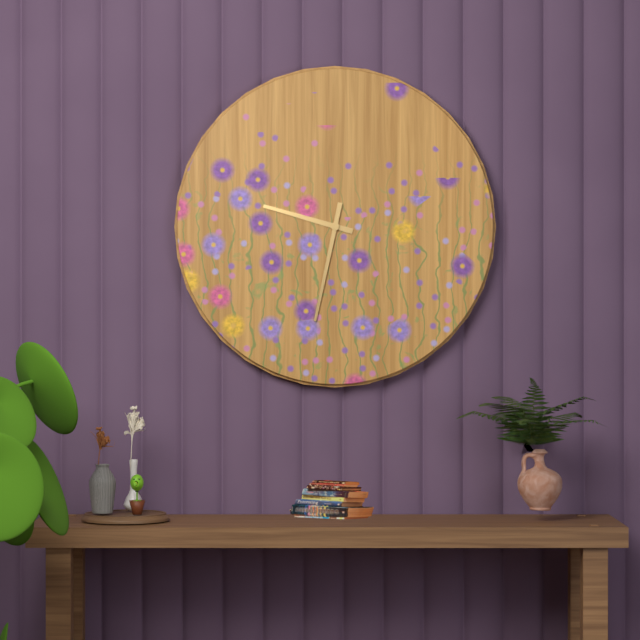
9:32
